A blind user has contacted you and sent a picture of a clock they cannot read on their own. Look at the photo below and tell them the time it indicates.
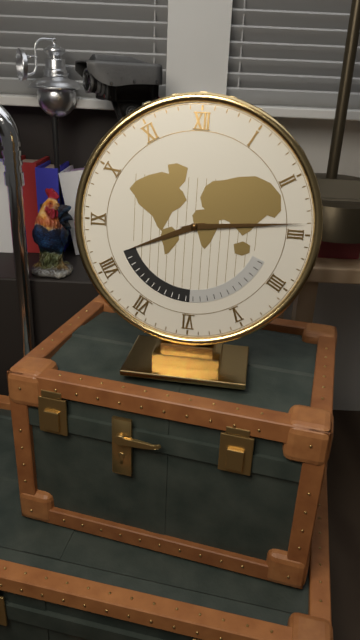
8:14
